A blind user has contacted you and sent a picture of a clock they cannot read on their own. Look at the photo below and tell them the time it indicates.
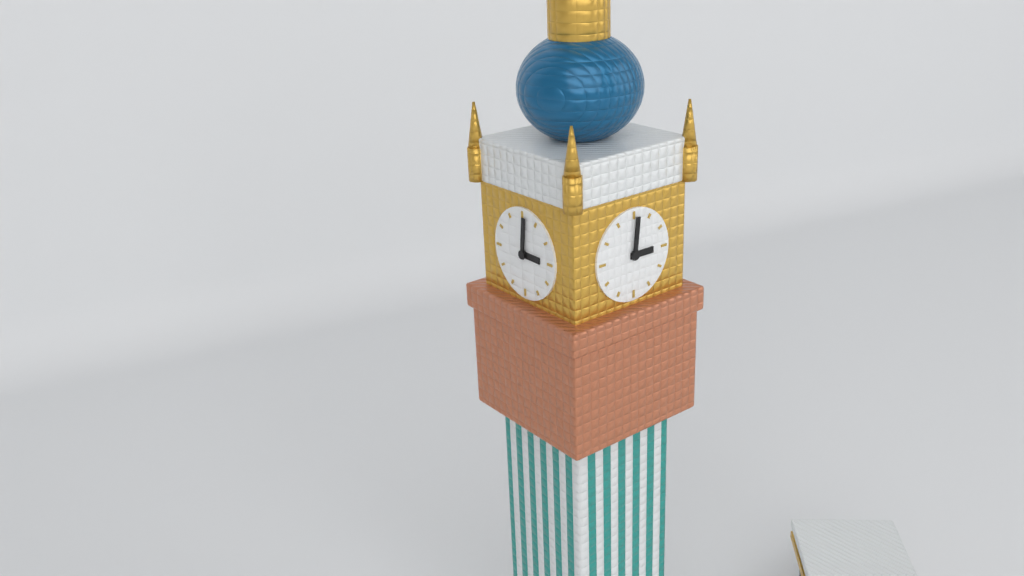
3:01
